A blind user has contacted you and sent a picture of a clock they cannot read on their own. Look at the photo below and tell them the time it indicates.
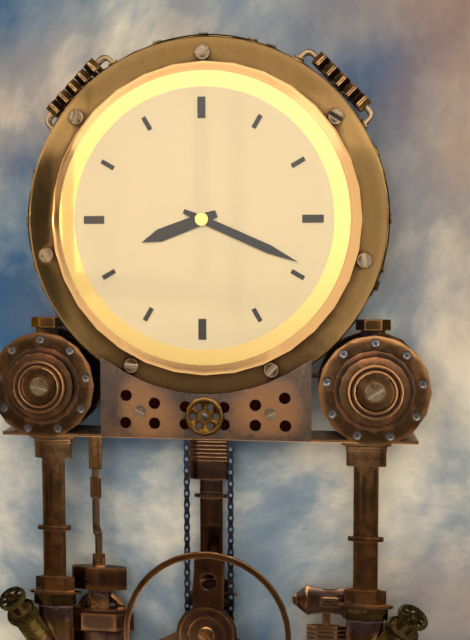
8:19
